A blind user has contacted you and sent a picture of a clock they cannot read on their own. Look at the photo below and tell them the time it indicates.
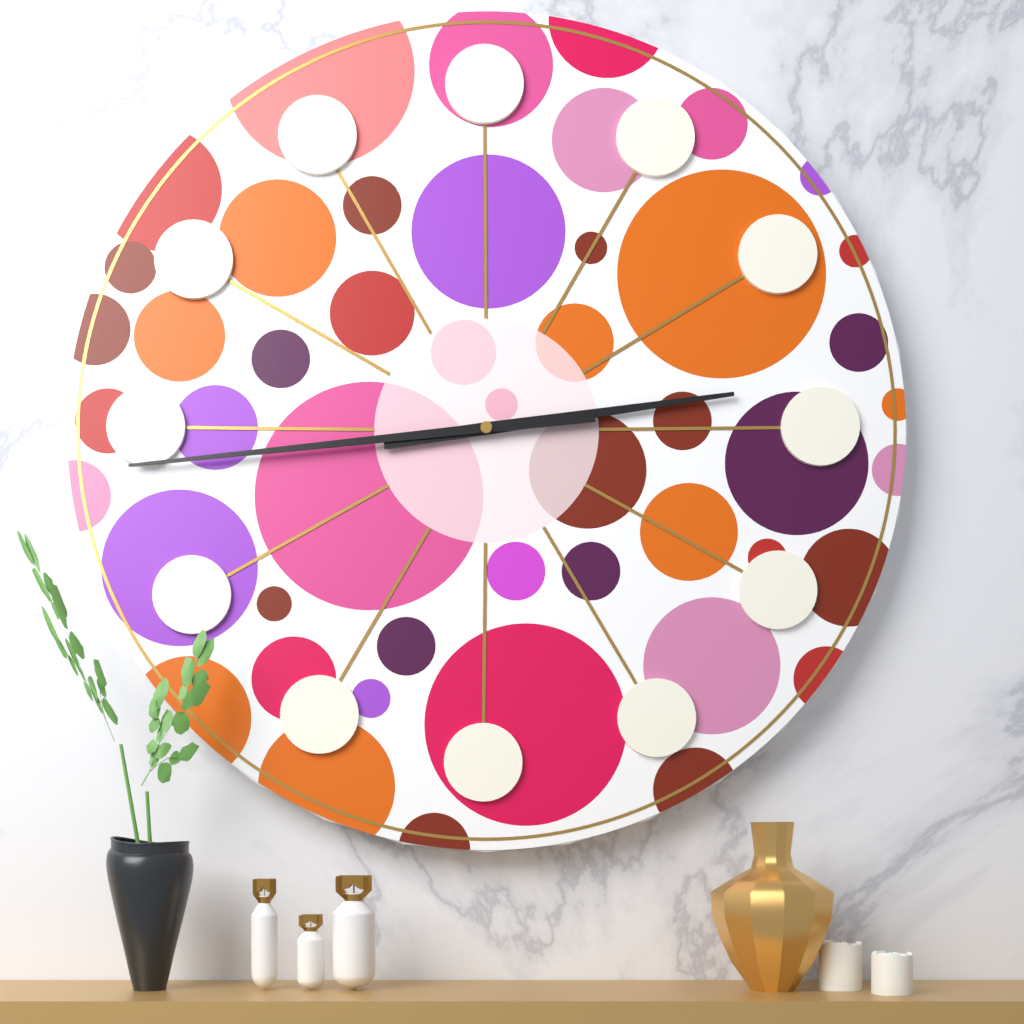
2:44
